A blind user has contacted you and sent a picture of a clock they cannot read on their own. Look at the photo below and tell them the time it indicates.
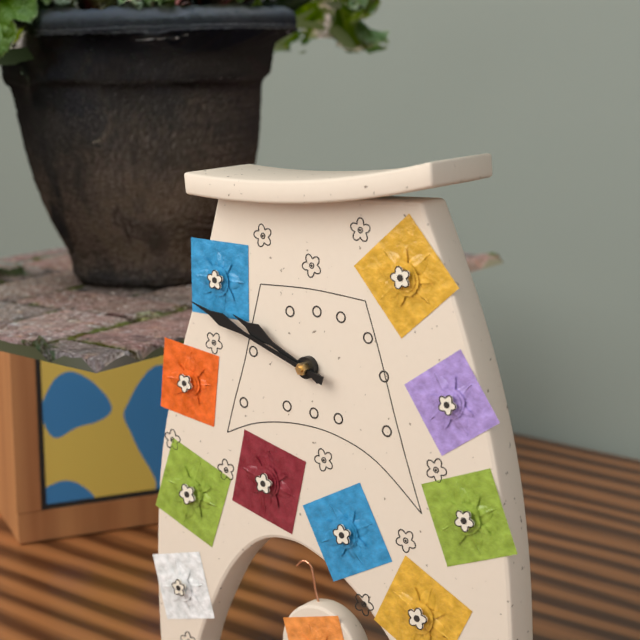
9:48
